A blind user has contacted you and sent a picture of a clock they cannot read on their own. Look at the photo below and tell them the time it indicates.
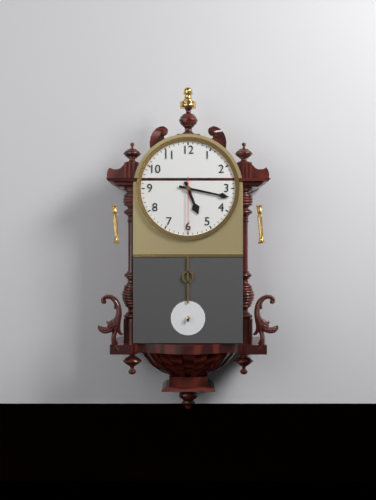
5:17:30
